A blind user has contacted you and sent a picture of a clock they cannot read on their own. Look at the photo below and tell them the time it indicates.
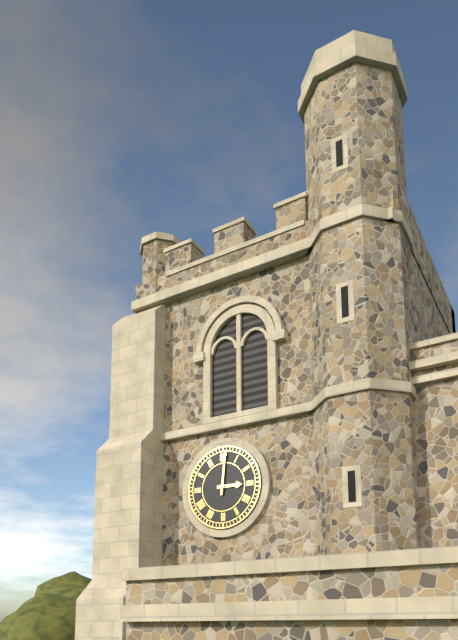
3:01
